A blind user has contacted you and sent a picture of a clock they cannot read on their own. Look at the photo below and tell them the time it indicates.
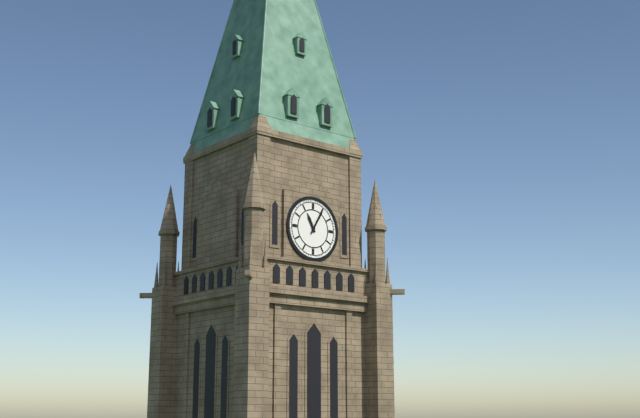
11:05
